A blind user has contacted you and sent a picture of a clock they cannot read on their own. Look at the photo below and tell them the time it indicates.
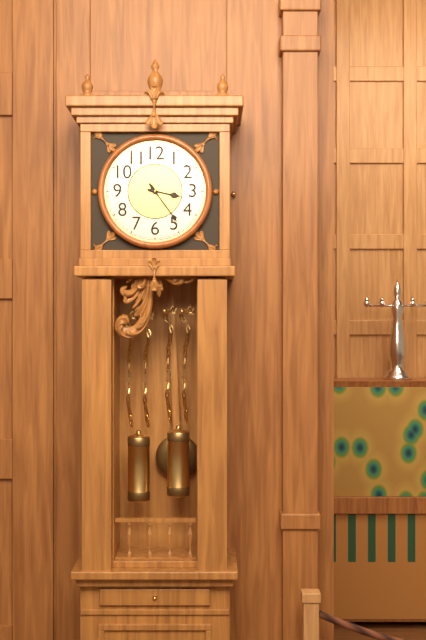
3:24
